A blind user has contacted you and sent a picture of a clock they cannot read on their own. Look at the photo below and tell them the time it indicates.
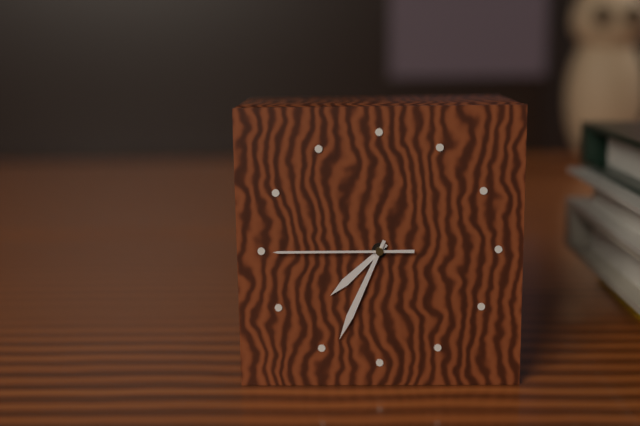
7:34:45
